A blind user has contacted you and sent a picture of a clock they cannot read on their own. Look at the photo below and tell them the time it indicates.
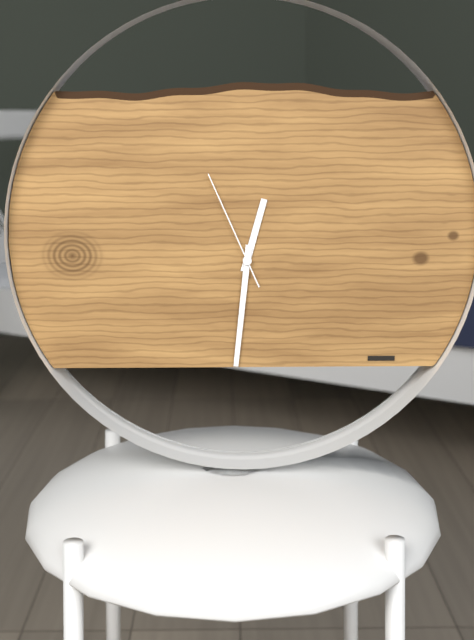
12:31:56
